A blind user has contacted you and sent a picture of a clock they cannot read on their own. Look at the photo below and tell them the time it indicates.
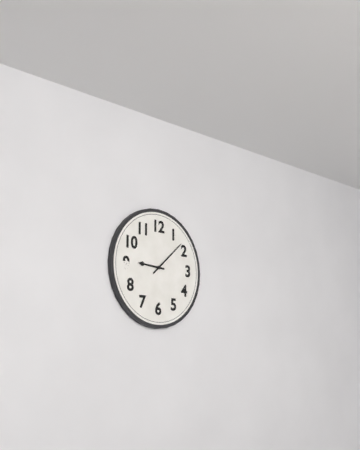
9:08
